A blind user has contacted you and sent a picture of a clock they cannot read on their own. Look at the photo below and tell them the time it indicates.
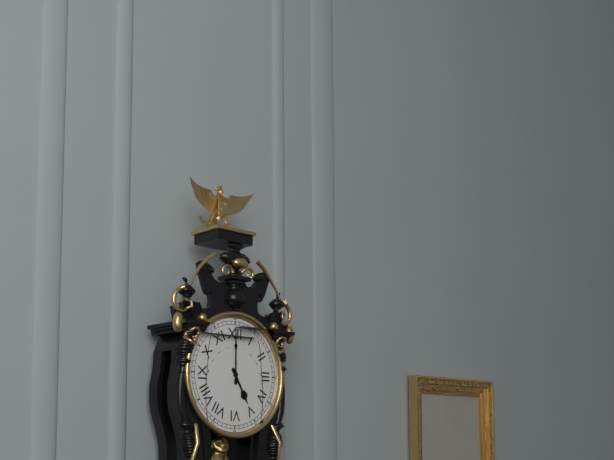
5:00
